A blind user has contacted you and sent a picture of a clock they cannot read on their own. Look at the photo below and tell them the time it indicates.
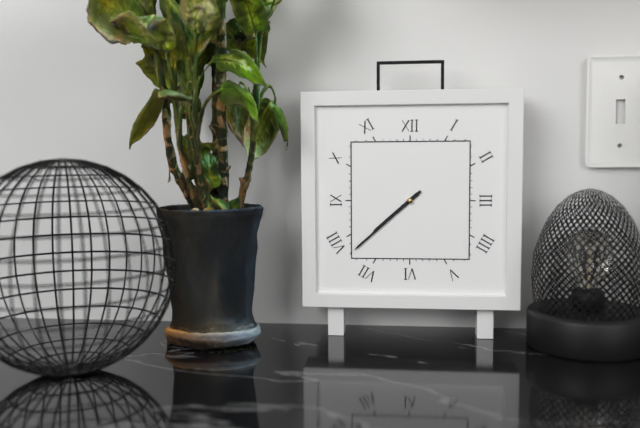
7:38
